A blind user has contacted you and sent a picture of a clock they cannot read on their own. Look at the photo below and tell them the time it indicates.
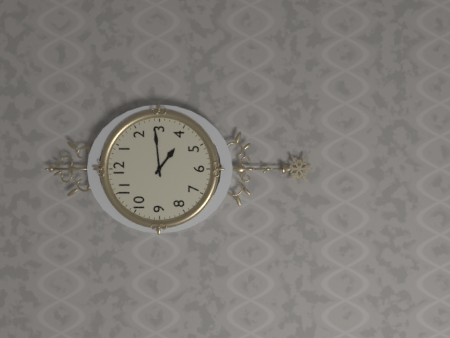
4:14
